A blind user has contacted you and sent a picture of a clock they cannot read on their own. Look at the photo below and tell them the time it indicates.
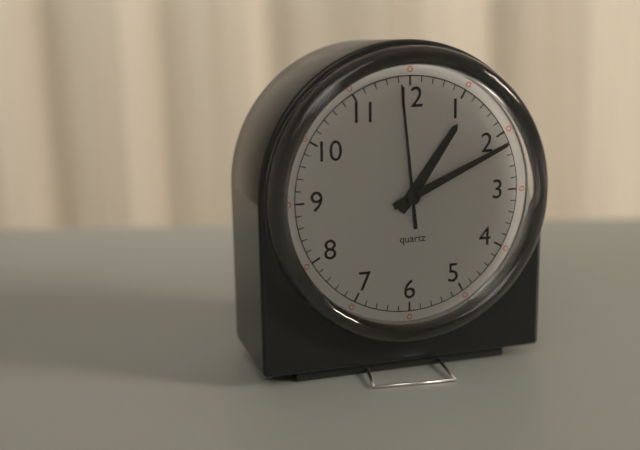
1:11:59
